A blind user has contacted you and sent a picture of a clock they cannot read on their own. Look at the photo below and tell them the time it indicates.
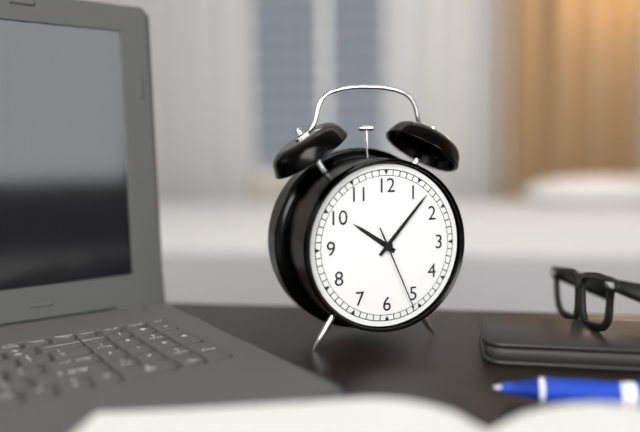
10:07:26
